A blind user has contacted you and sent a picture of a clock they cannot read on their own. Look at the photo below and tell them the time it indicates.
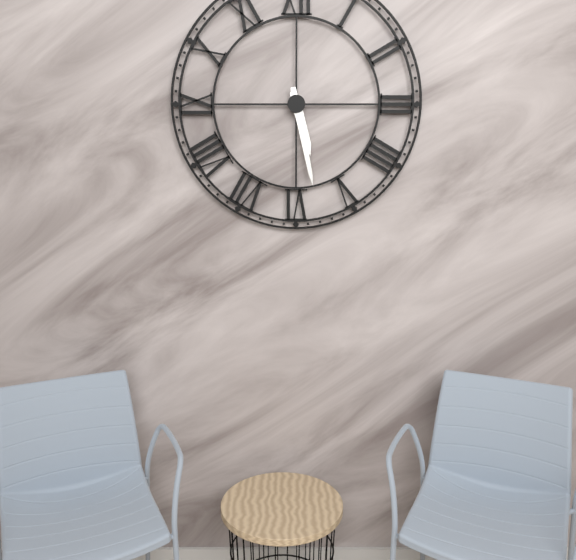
5:28
